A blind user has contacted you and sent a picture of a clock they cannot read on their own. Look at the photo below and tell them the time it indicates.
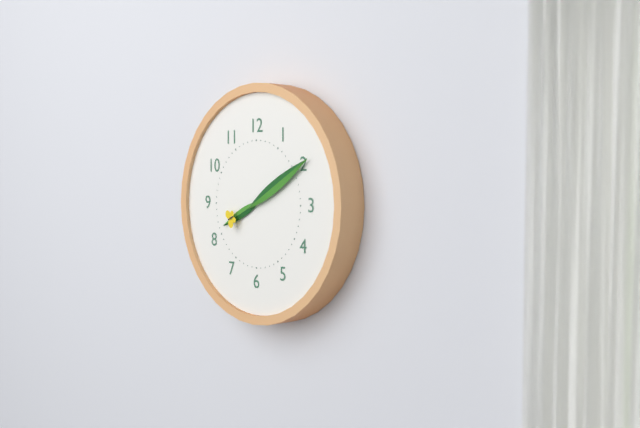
8:10
